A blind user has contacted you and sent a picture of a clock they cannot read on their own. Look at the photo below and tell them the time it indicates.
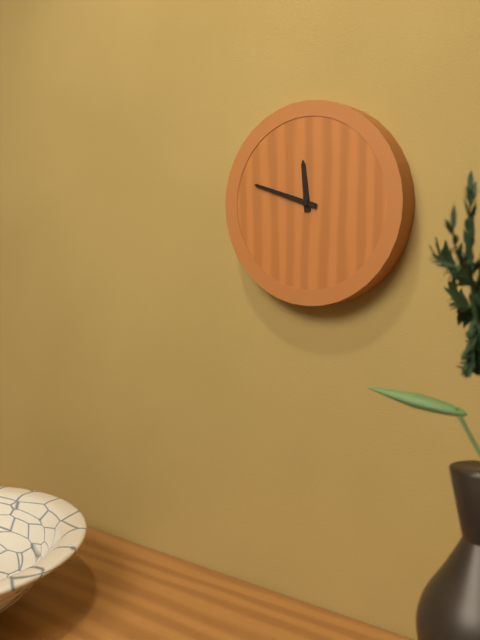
11:48
